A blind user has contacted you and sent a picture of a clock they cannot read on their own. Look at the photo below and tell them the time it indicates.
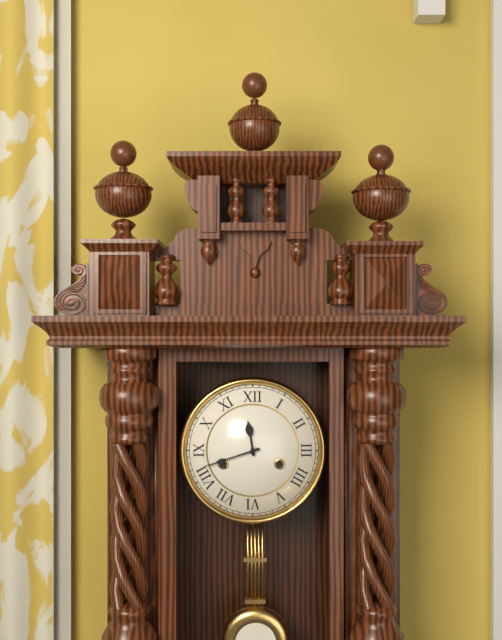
11:42
